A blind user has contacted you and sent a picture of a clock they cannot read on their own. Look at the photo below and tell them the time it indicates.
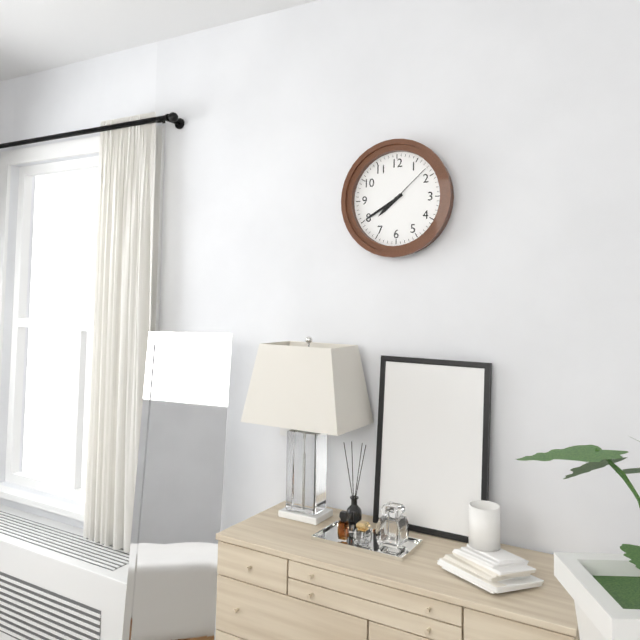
7:40:08
